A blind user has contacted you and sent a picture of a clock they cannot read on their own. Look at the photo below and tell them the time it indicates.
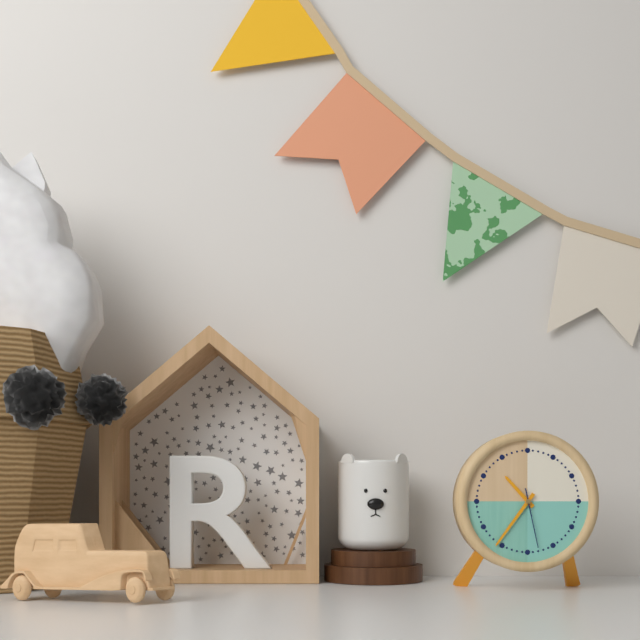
10:36:28
